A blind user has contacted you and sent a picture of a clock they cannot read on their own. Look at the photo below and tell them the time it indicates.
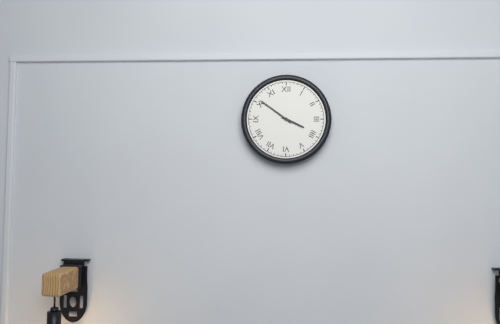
3:51
